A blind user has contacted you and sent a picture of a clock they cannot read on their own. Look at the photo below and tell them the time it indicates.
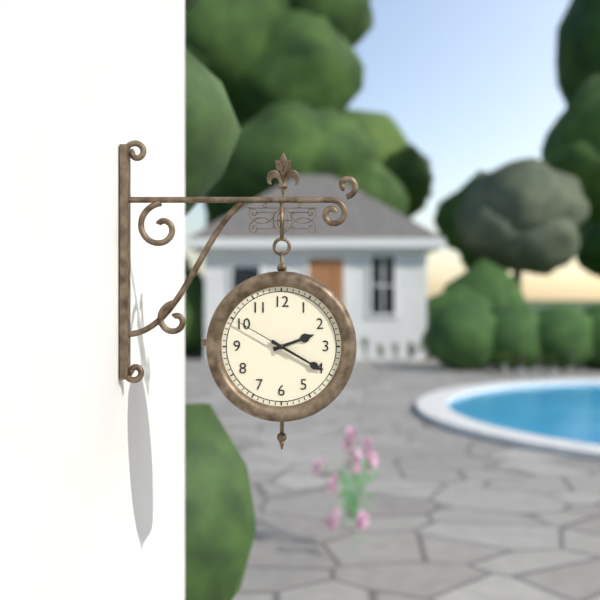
2:20:50
